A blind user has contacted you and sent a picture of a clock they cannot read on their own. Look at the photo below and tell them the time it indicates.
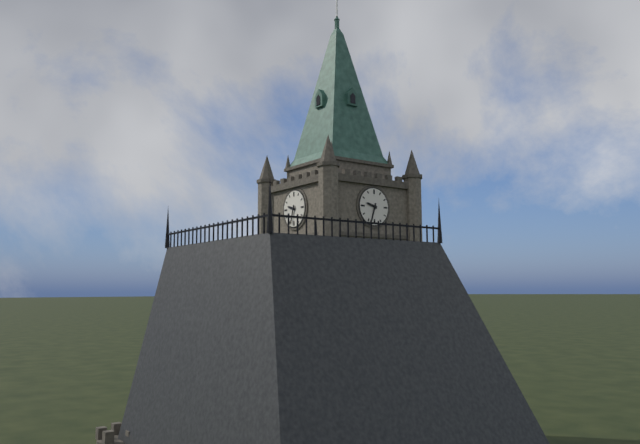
9:33
